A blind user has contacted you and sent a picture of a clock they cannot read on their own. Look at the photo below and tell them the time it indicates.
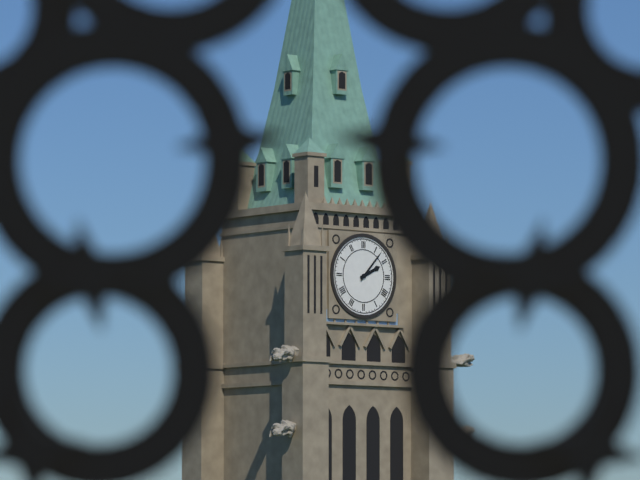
2:07
